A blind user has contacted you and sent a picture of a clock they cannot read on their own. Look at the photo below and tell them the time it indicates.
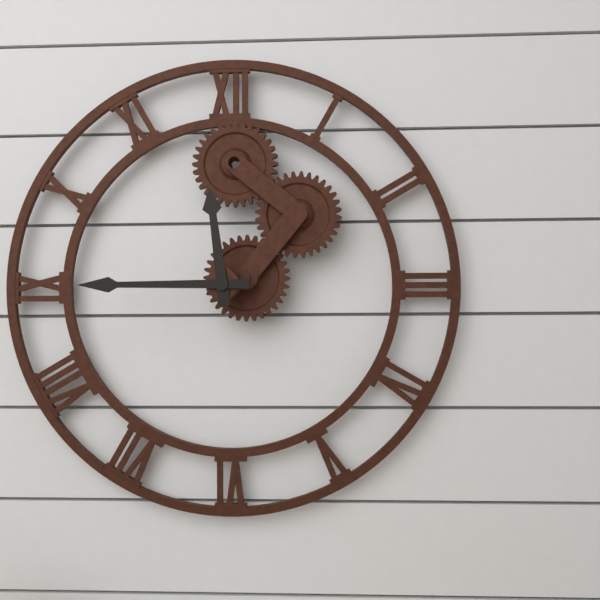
11:45
